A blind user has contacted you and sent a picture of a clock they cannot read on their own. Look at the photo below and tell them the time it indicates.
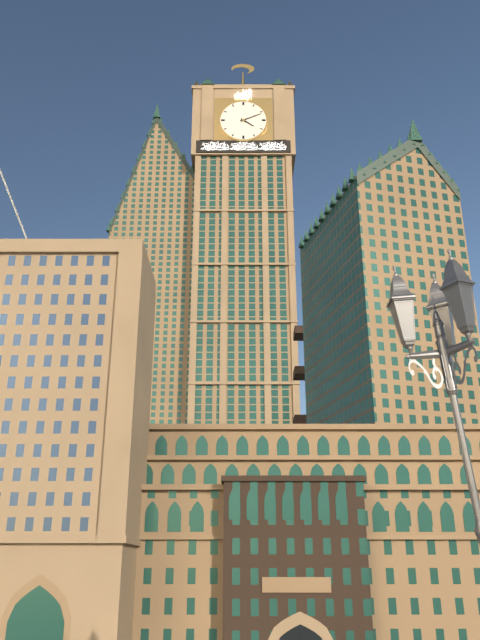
4:11
